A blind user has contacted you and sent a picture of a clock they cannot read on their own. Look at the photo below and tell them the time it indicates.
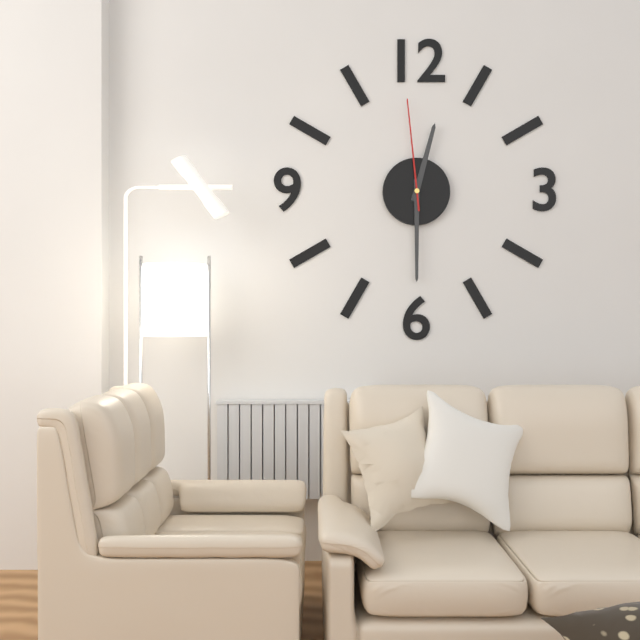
12:30:59
